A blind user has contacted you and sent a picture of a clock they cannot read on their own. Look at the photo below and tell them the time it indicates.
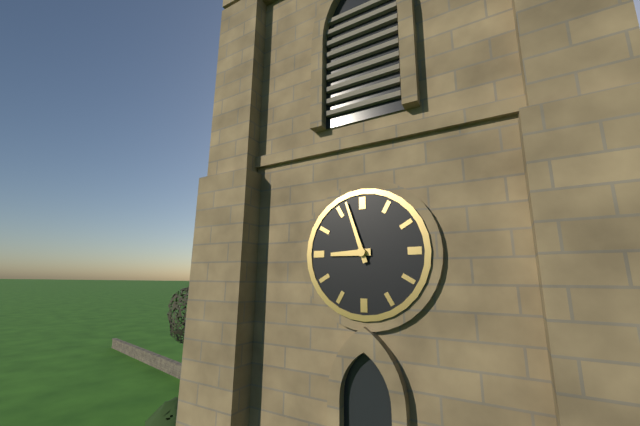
8:57
